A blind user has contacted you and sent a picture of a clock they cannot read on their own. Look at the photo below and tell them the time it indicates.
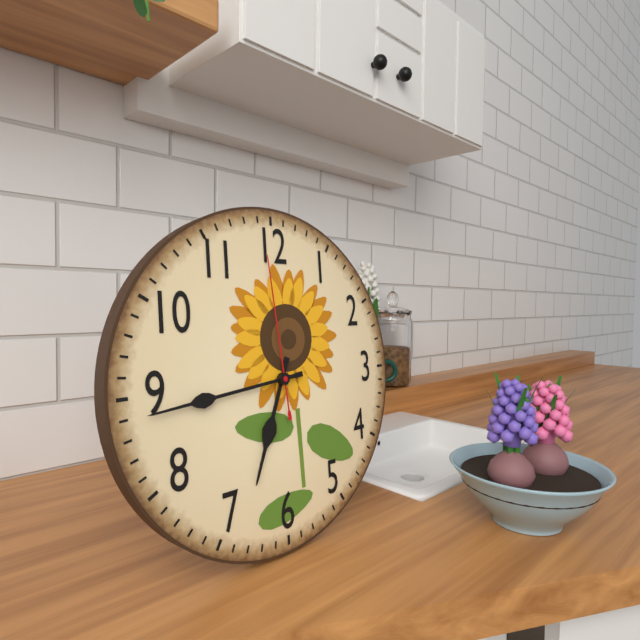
6:44:59
